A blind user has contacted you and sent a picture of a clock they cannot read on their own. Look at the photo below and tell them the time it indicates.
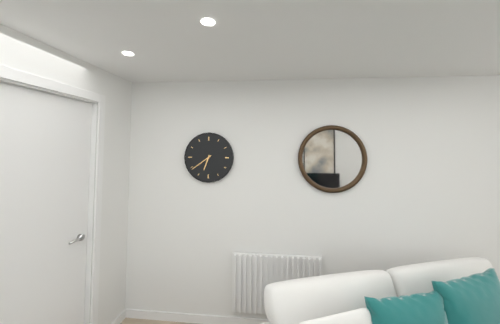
6:39
